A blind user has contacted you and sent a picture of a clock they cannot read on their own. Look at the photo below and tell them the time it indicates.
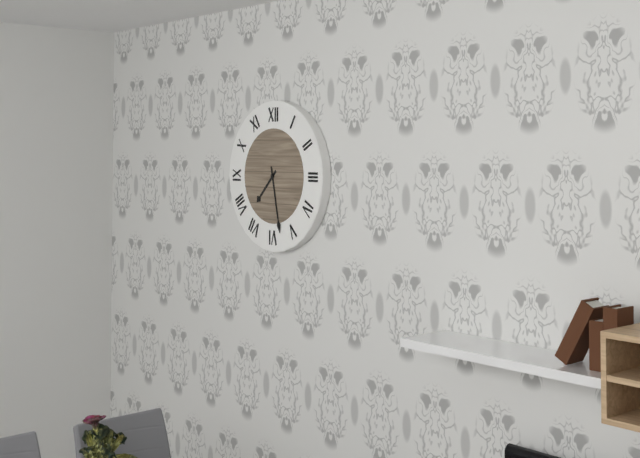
7:28
